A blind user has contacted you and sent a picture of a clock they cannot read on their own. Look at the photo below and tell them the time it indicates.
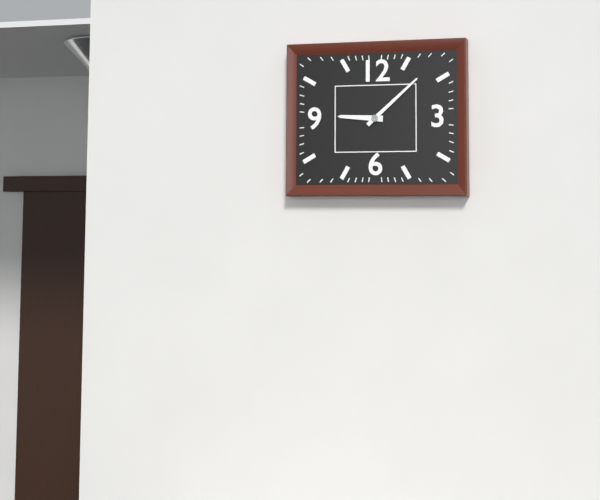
9:08
